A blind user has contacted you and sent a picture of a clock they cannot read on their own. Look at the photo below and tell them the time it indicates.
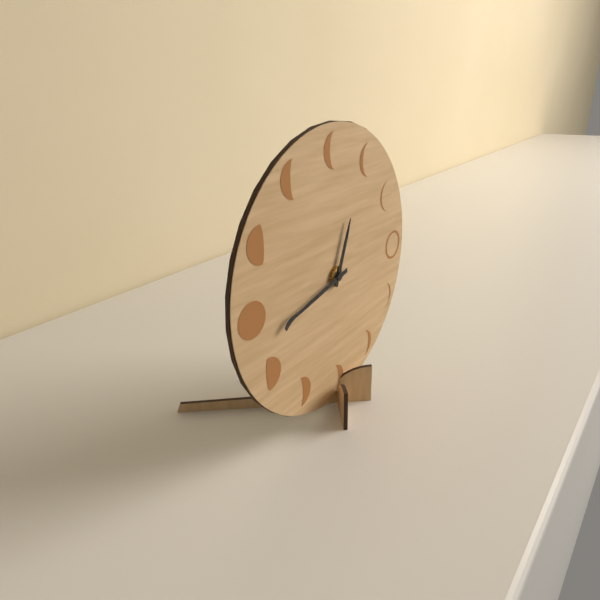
12:43
